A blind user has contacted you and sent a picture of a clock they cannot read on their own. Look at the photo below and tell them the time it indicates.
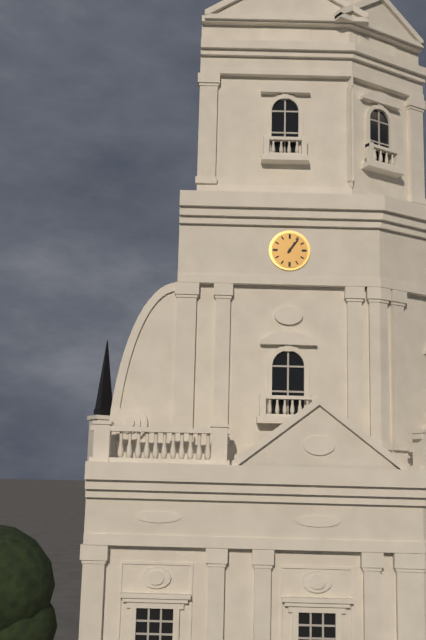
1:06
